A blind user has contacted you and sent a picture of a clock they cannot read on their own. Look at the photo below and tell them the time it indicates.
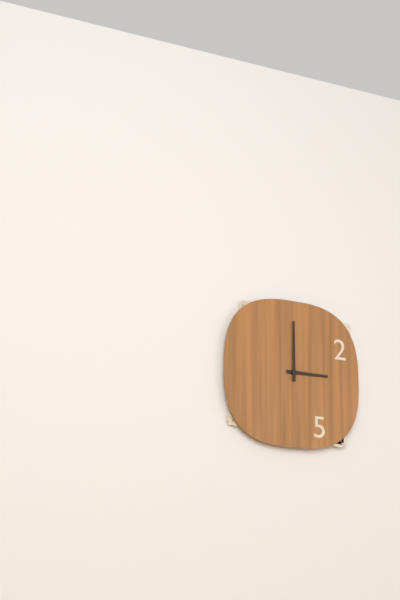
3:00
